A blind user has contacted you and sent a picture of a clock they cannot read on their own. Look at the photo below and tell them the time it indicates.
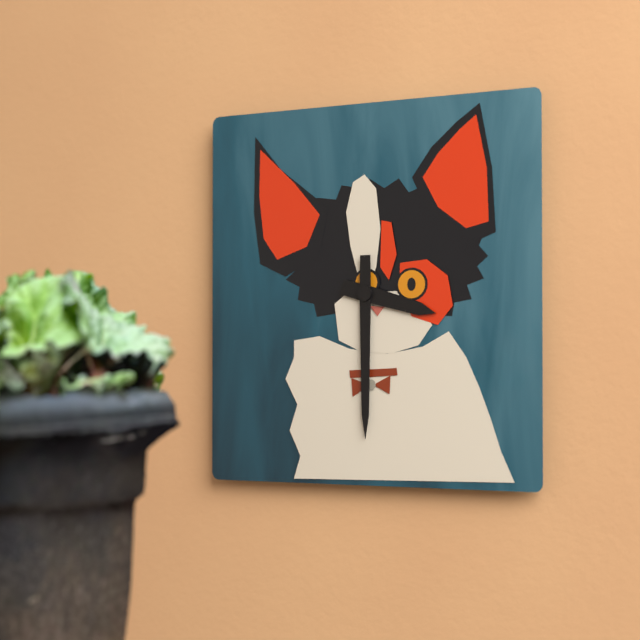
3:30
